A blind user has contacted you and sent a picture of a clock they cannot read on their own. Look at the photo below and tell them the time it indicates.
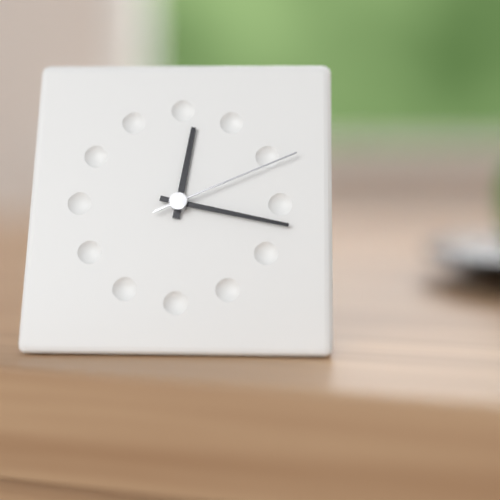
12:17:11
